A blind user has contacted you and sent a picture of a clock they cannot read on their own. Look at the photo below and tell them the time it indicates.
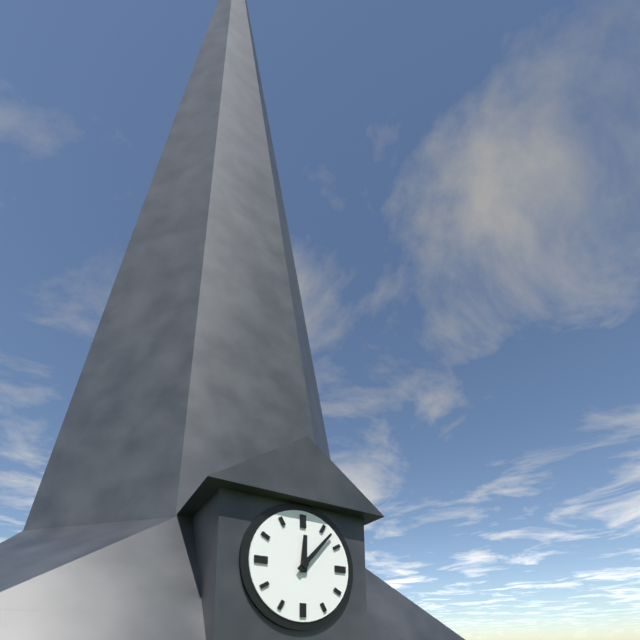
12:07
